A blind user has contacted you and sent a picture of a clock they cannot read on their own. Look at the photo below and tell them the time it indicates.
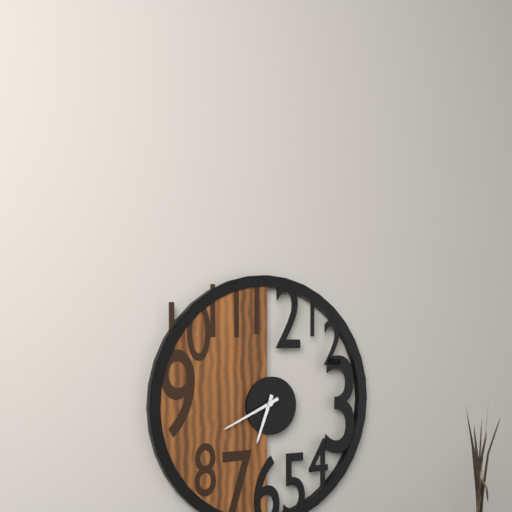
6:41
